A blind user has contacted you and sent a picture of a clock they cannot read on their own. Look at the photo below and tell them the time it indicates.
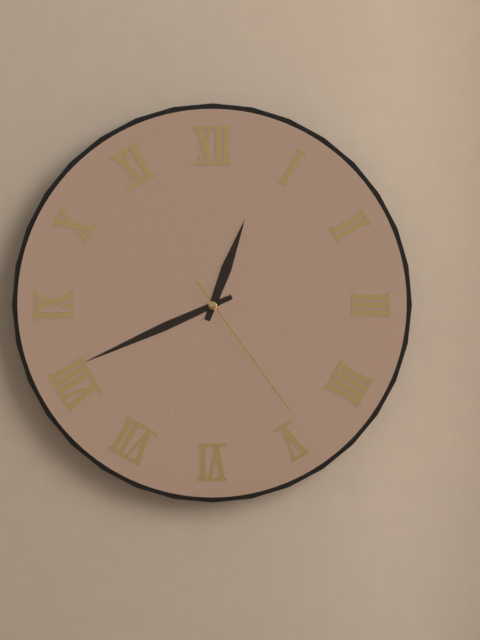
12:41:24
